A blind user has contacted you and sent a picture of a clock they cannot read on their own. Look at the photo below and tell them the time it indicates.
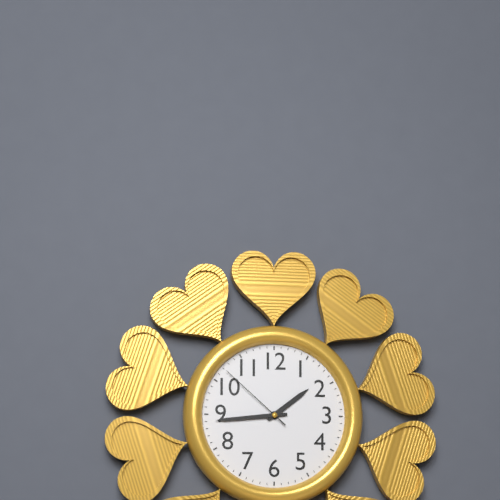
1:44:52
